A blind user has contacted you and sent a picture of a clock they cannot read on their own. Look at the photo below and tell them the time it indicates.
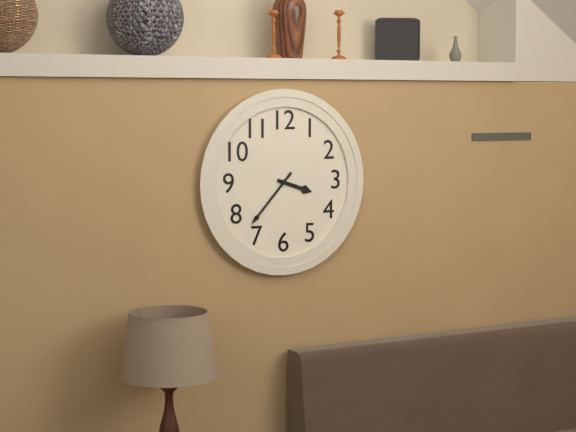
3:37
